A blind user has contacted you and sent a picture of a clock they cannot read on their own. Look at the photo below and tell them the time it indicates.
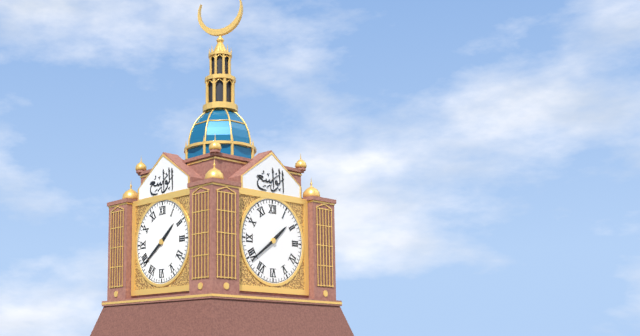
1:39
